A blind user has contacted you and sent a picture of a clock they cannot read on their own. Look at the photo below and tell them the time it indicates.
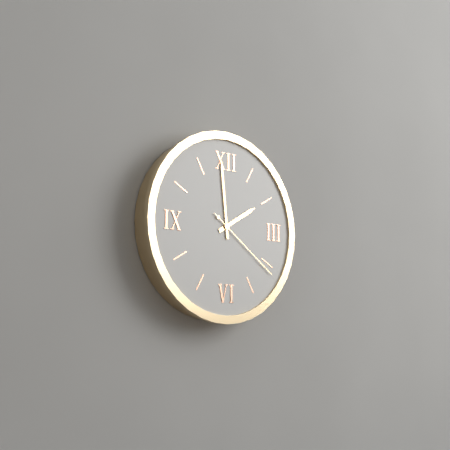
1:59:21
